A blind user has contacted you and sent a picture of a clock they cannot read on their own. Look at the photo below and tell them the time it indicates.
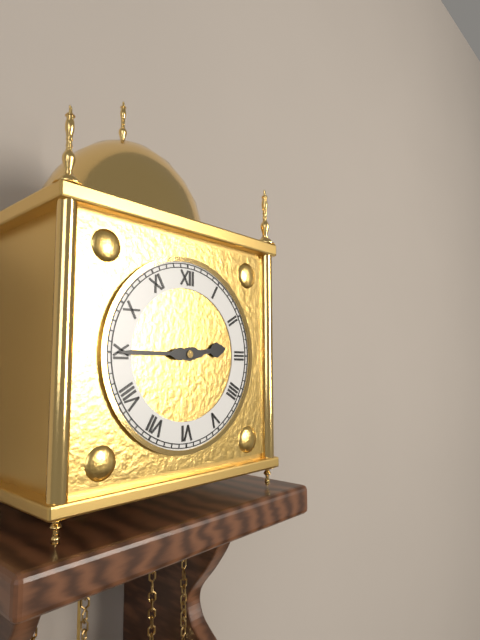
2:45
